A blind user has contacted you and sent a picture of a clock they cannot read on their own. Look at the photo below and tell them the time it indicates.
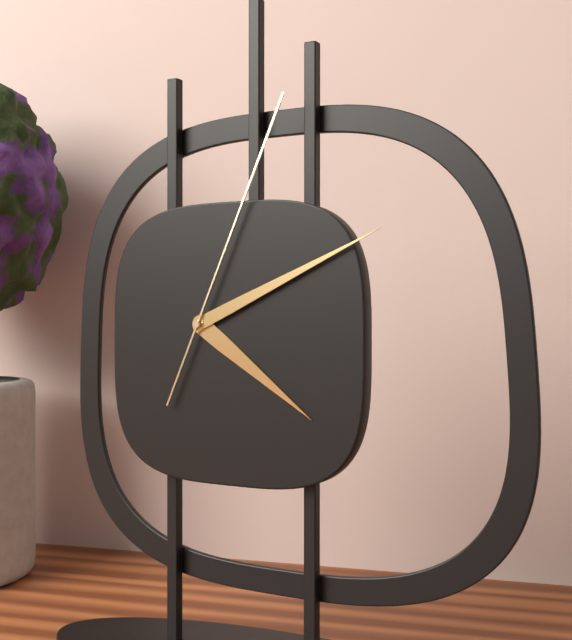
4:11:04
